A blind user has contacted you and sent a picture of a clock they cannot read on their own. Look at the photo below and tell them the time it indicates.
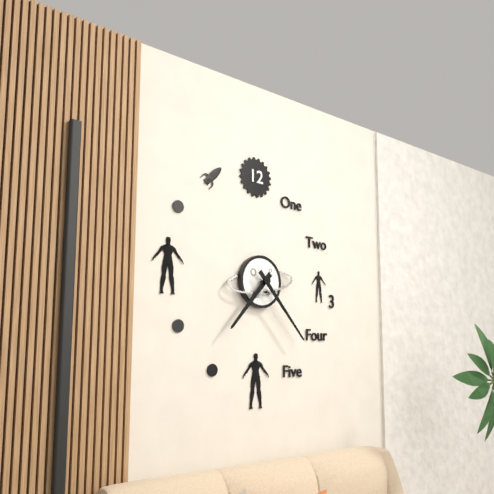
7:23
